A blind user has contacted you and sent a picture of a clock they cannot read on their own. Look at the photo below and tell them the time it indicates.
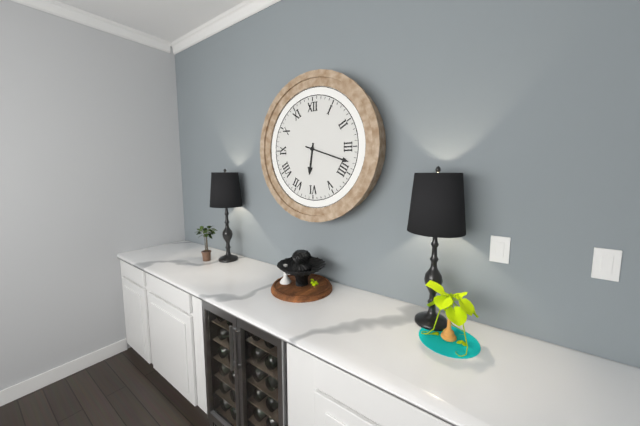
6:18
